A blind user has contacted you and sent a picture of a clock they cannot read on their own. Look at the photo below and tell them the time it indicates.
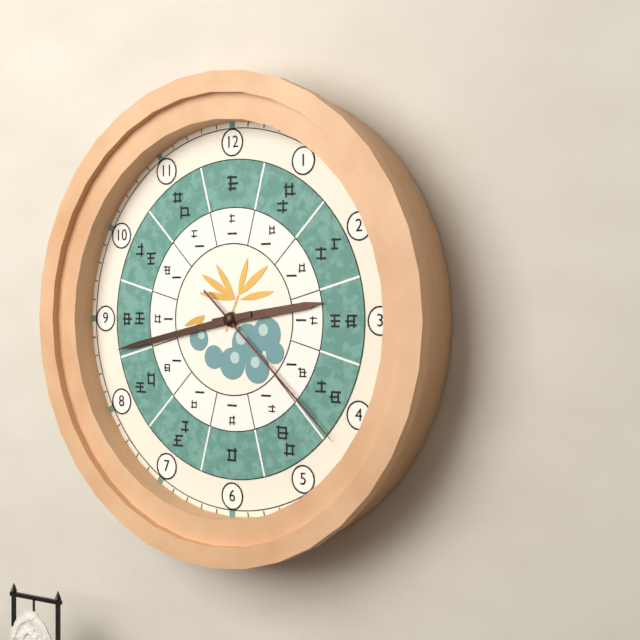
2:43:22
